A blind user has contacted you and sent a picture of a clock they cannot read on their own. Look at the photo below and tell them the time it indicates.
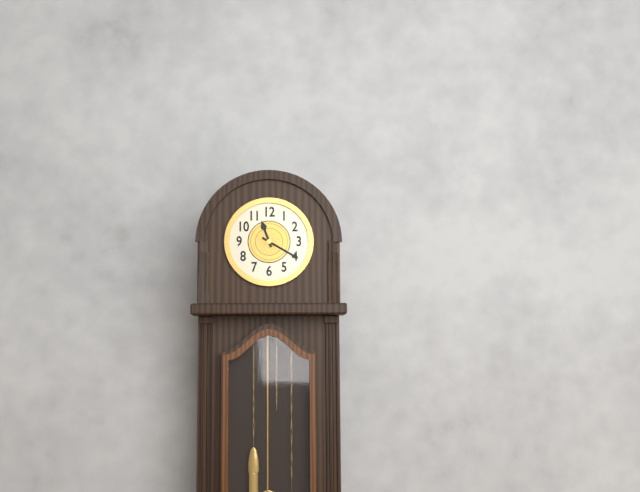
11:20
